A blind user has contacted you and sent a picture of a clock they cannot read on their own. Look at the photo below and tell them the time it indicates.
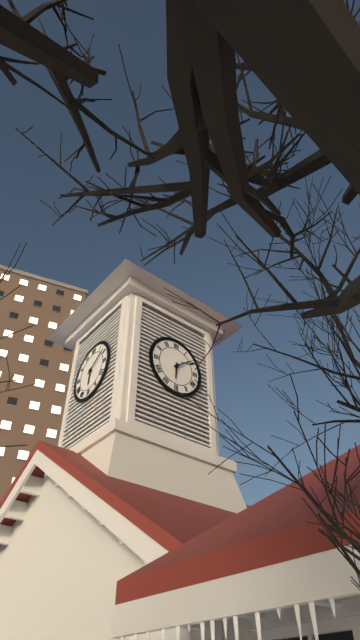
6:09
